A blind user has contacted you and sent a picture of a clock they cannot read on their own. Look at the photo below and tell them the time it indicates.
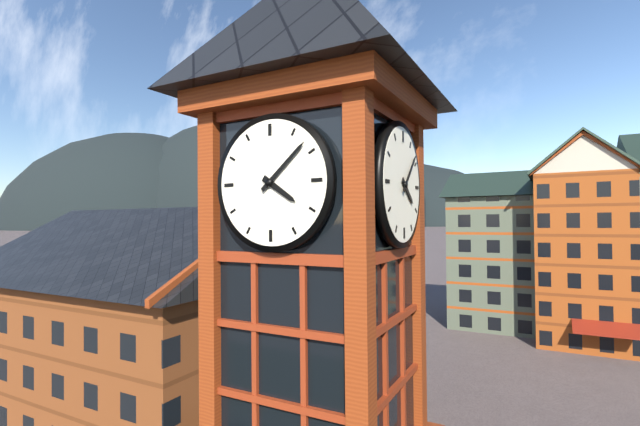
4:08
